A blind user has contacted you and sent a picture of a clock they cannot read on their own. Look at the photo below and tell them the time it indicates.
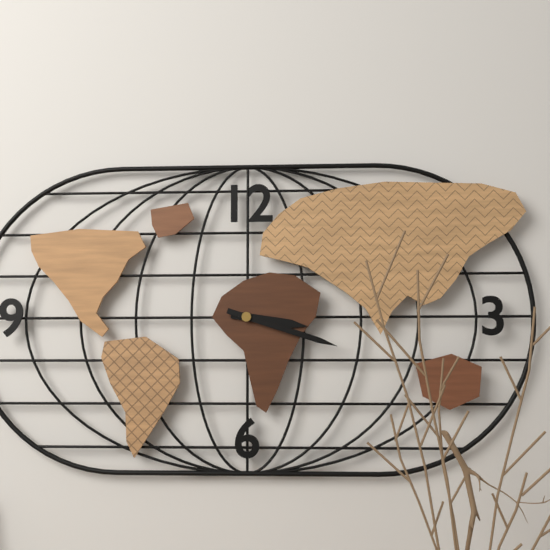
3:18
